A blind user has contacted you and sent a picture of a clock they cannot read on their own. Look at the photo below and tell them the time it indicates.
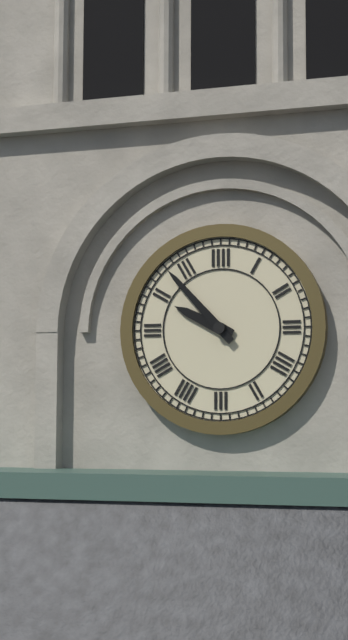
9:53
